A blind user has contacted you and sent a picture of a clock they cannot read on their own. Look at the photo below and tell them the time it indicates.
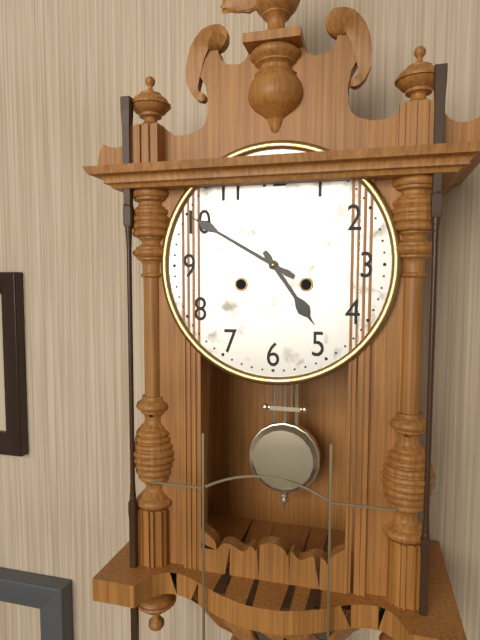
4:50
